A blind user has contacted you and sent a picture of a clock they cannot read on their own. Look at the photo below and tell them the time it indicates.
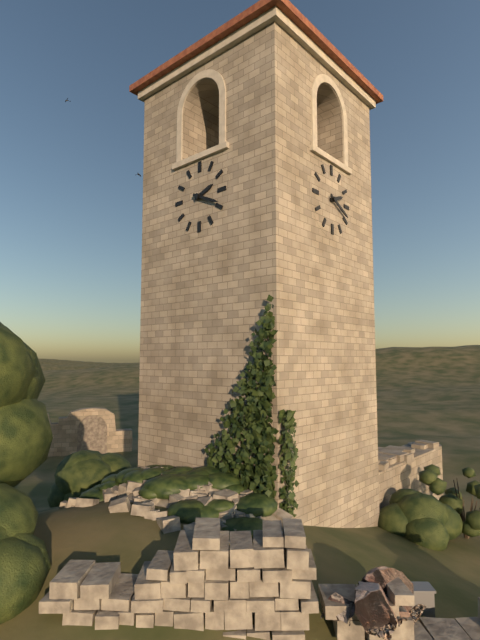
2:19
